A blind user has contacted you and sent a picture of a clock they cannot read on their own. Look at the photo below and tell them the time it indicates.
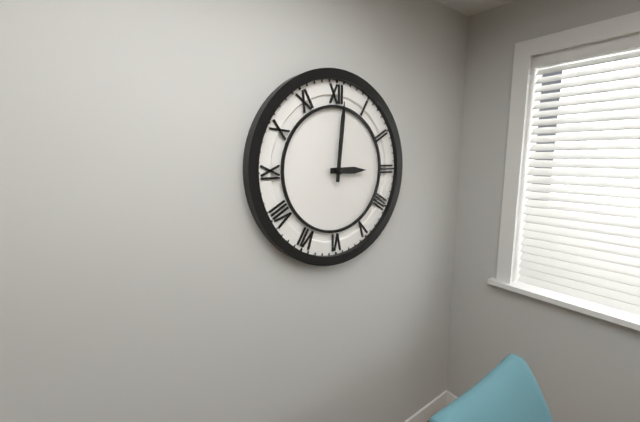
3:01
